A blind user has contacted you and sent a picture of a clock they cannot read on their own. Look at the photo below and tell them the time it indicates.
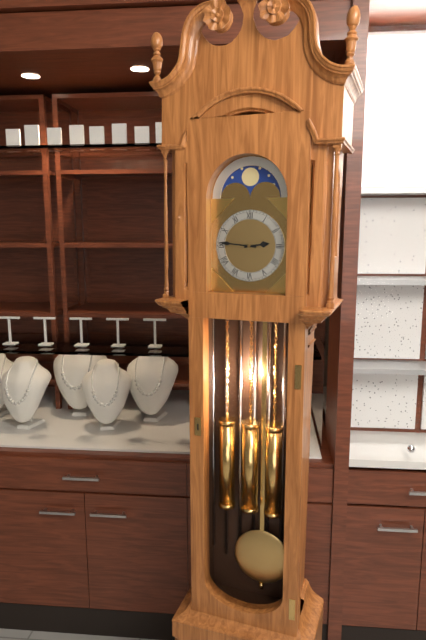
2:46
